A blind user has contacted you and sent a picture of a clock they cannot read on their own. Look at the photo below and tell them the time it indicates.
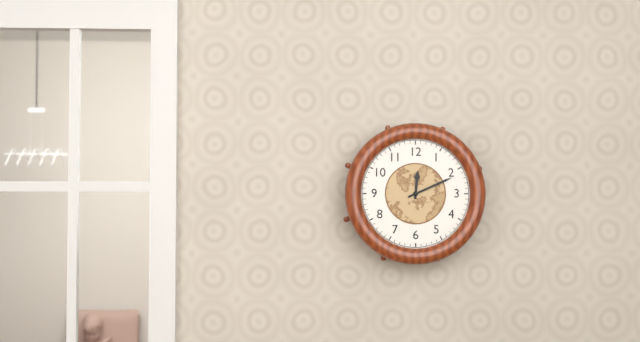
12:11
